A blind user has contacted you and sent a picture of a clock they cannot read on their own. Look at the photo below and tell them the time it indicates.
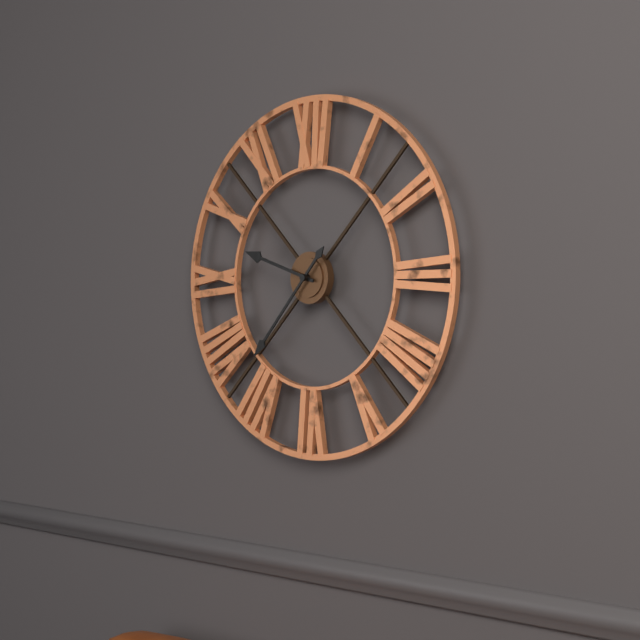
9:37
